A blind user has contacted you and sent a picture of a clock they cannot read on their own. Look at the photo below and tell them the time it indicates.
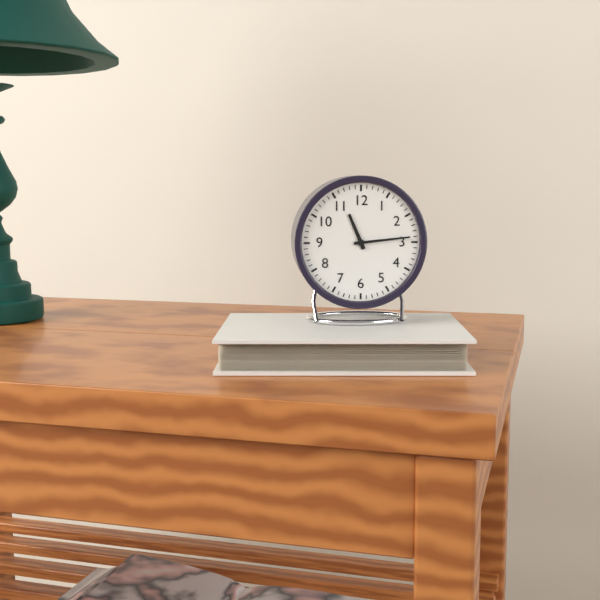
11:14
